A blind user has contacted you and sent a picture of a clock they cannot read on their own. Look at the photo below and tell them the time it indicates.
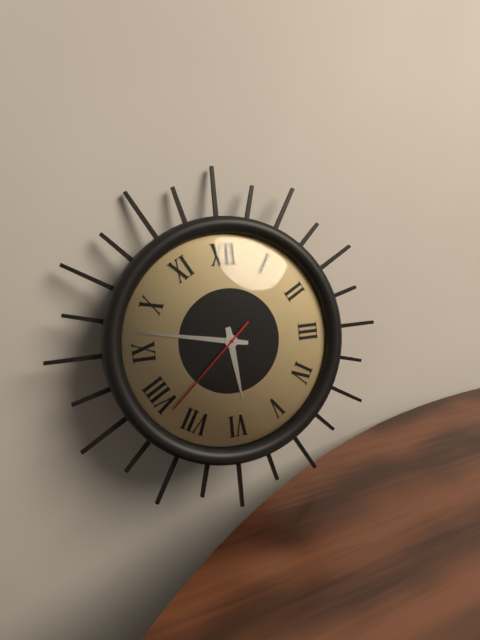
5:47:38
